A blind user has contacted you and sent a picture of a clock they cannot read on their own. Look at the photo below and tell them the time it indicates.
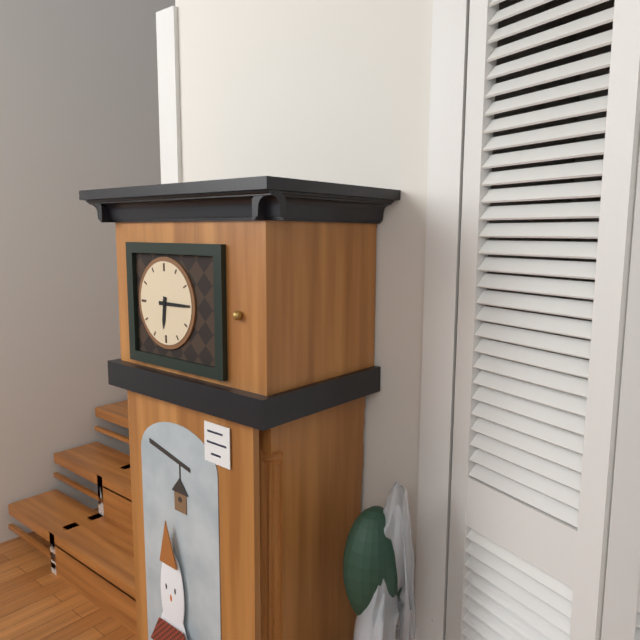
6:15
